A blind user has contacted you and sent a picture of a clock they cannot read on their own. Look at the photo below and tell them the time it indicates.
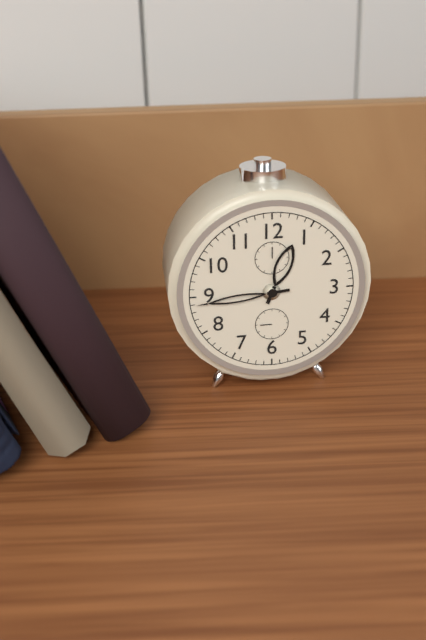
12:44
